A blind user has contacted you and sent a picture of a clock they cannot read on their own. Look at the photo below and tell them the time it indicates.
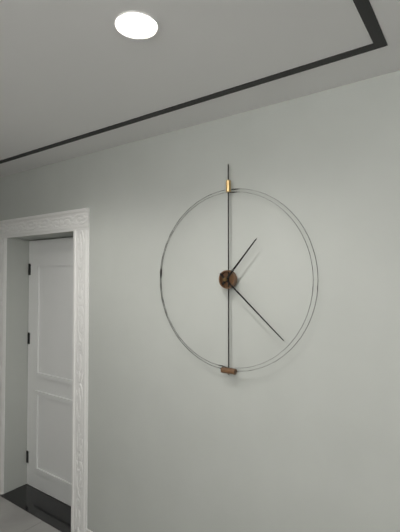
1:22
